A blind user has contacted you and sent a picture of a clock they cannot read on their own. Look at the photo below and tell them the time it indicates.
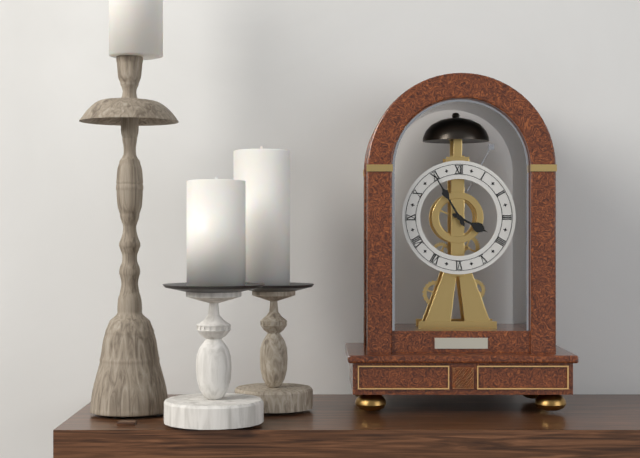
3:55
